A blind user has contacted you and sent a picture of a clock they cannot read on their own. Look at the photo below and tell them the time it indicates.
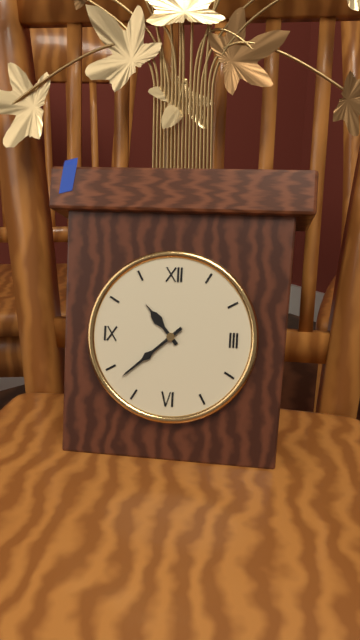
10:38
